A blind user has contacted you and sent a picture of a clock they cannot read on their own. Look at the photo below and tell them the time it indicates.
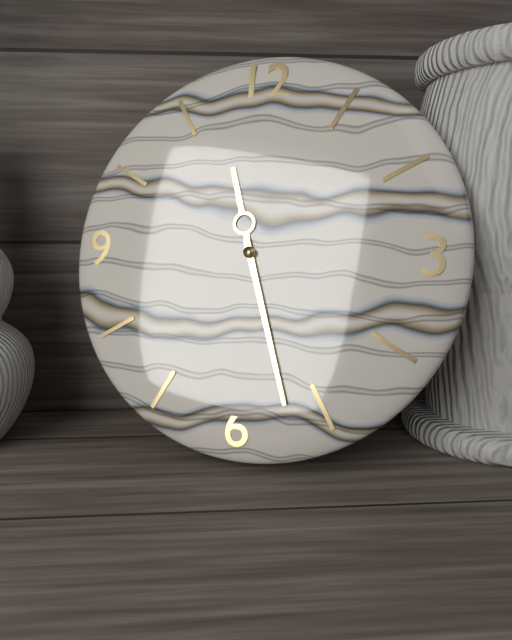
11:27
